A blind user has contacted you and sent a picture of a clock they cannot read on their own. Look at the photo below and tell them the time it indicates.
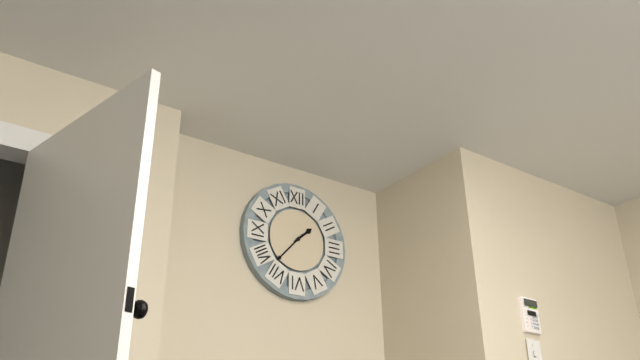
1:37
